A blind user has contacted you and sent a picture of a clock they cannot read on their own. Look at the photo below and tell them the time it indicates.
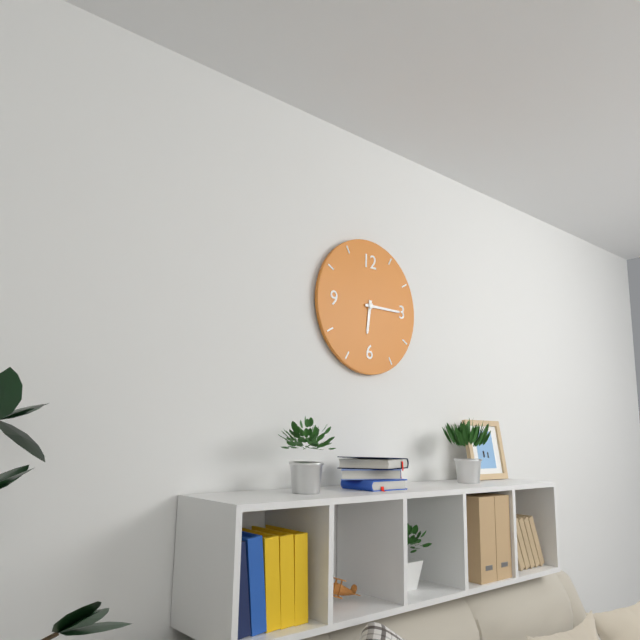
6:15
